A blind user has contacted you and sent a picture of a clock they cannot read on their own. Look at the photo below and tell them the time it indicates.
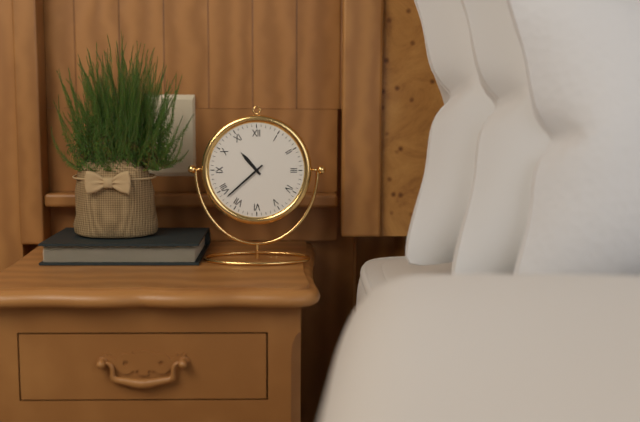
10:38
